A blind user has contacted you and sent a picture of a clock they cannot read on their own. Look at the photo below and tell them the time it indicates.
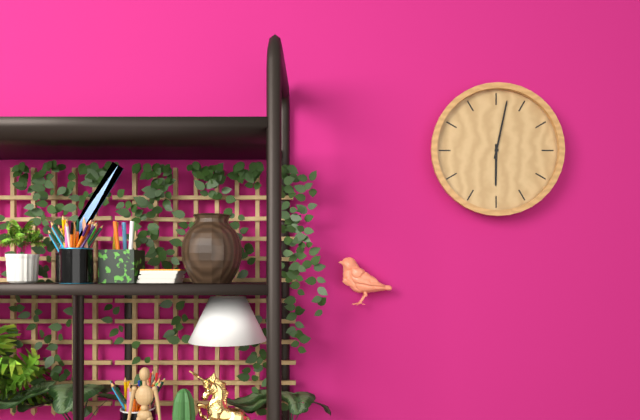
6:02
